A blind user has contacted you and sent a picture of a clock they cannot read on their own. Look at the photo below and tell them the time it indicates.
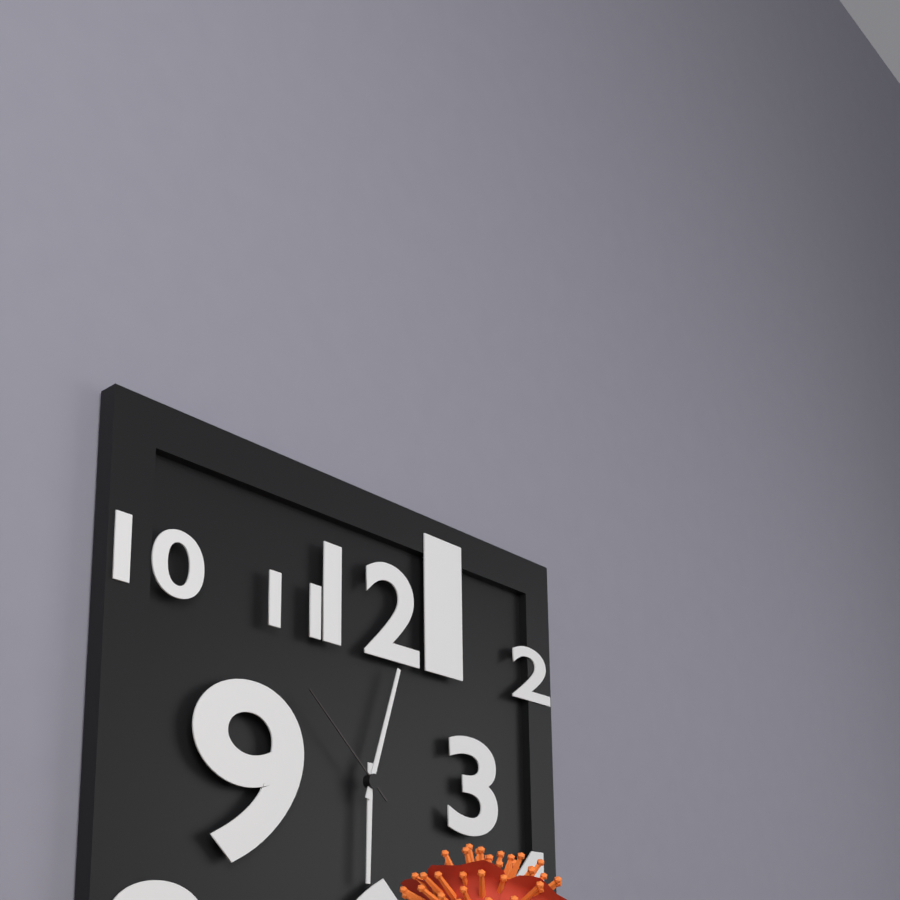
6:03:52
